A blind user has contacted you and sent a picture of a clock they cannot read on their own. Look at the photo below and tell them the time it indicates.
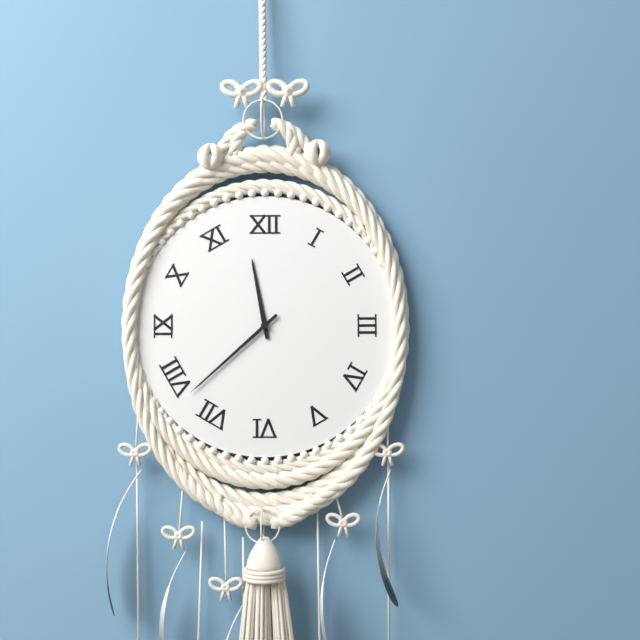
11:38
